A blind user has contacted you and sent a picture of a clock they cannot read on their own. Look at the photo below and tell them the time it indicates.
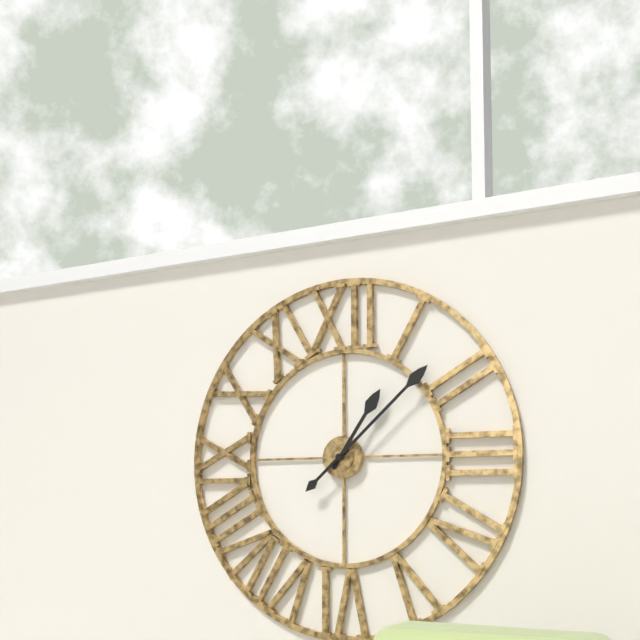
1:08
